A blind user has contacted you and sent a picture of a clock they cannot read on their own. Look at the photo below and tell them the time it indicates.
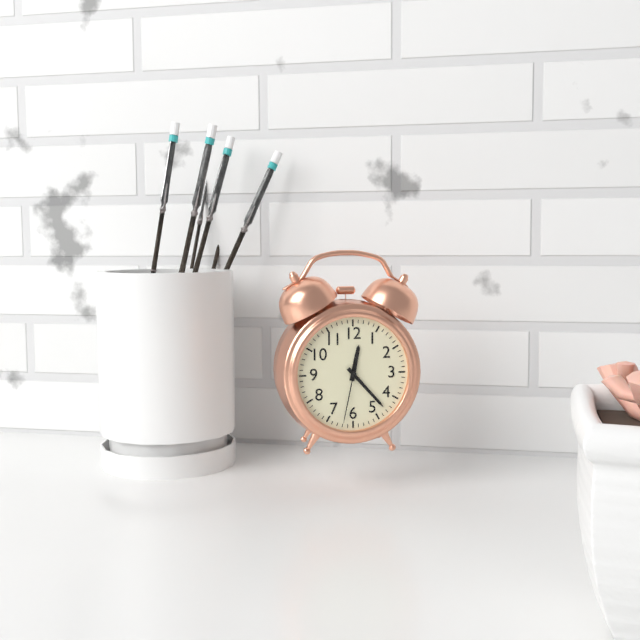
12:23:32
